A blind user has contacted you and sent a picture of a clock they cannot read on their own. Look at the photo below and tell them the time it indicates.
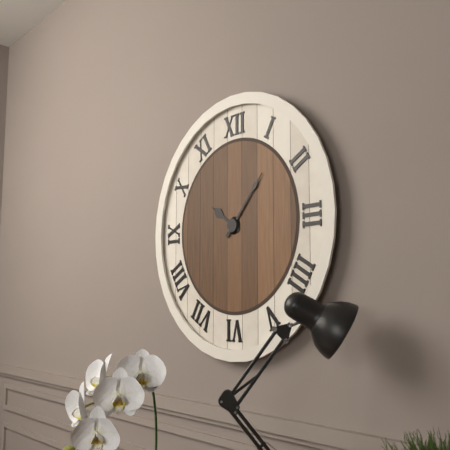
10:07
